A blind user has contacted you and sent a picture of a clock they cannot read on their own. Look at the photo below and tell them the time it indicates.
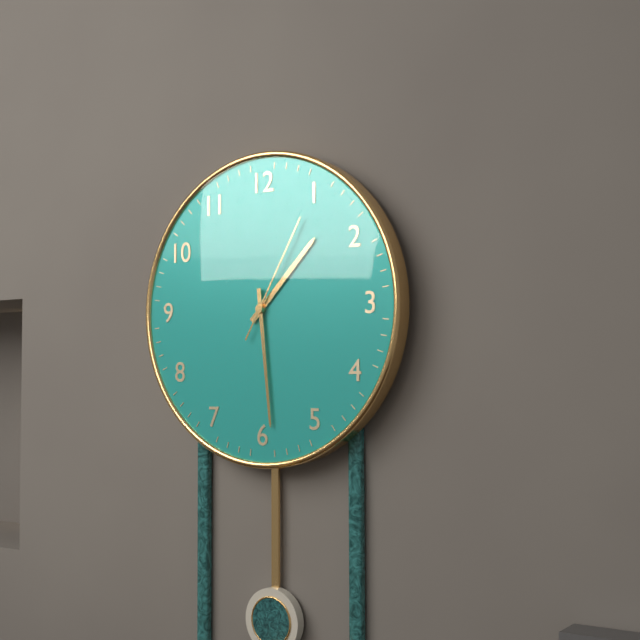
1:29:05
